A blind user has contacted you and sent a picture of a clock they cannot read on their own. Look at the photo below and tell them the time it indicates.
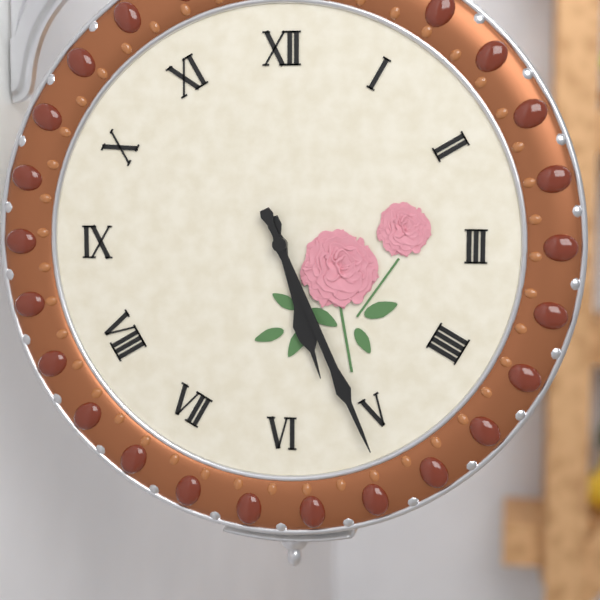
5:26
